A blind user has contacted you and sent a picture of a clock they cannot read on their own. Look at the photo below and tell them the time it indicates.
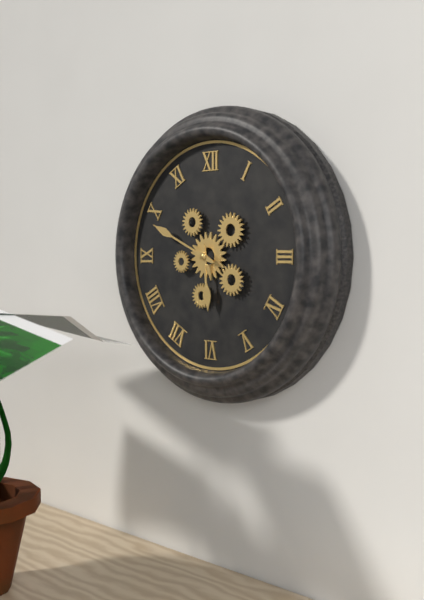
5:49
